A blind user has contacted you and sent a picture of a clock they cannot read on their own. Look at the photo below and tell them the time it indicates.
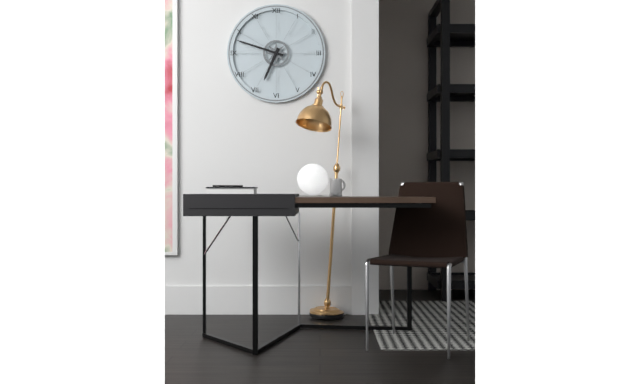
6:48
